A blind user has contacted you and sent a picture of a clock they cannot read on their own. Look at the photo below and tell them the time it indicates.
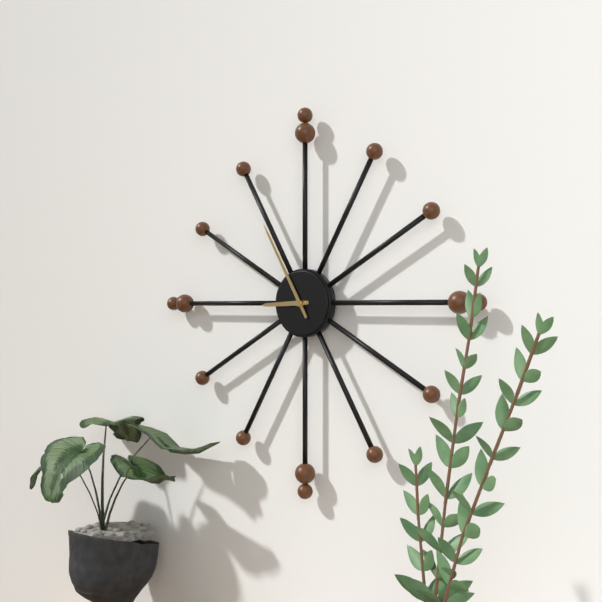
8:55
